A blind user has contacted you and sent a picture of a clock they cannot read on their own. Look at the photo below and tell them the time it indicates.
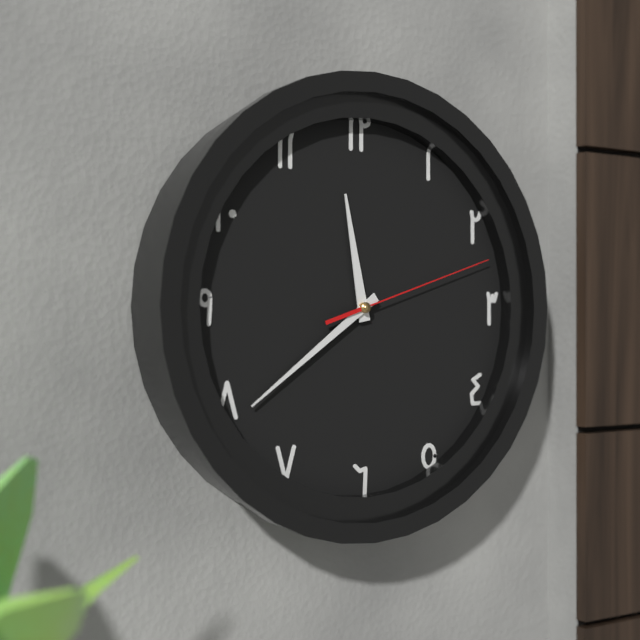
11:39:12
